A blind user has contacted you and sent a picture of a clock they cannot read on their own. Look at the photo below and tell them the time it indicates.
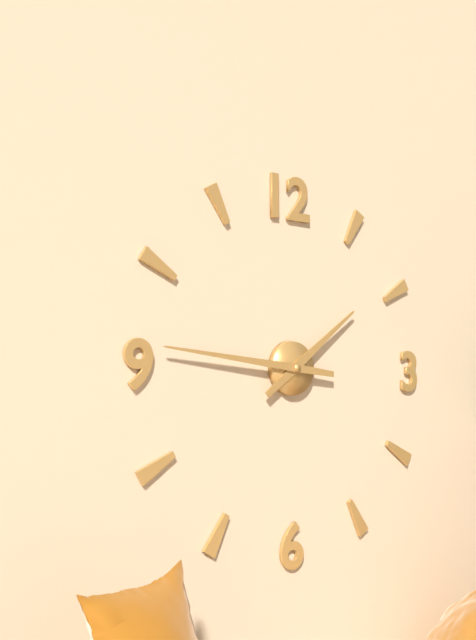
1:46
